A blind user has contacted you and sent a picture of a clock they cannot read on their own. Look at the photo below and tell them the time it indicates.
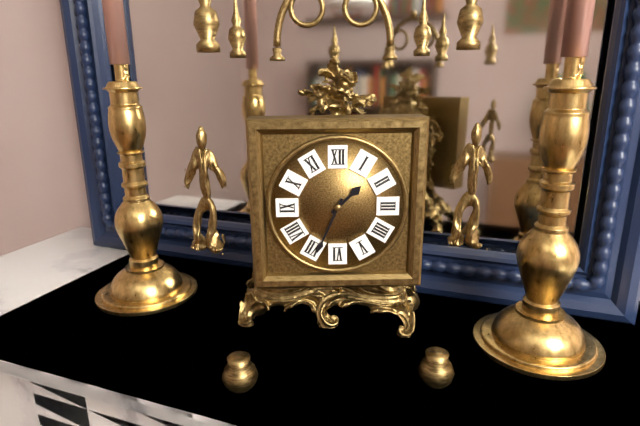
1:34
